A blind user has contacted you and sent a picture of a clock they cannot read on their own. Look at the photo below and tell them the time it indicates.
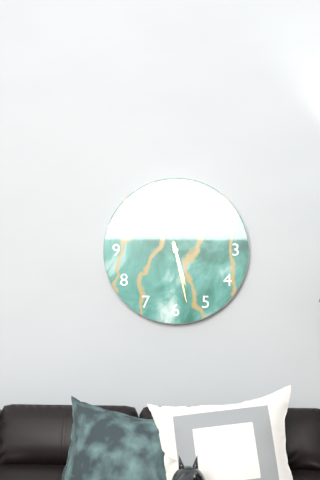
5:28
